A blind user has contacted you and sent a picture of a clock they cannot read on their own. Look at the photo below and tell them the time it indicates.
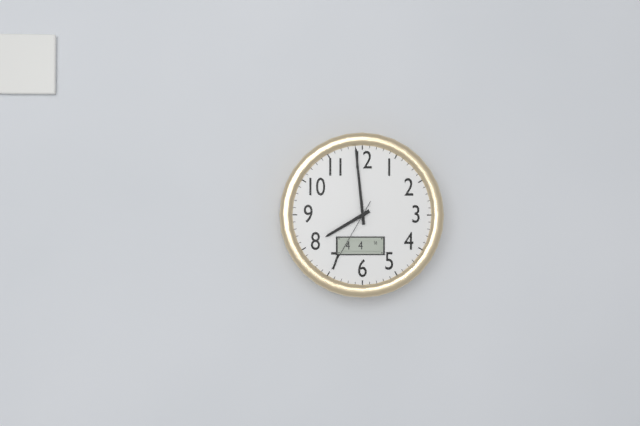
7:59:35
